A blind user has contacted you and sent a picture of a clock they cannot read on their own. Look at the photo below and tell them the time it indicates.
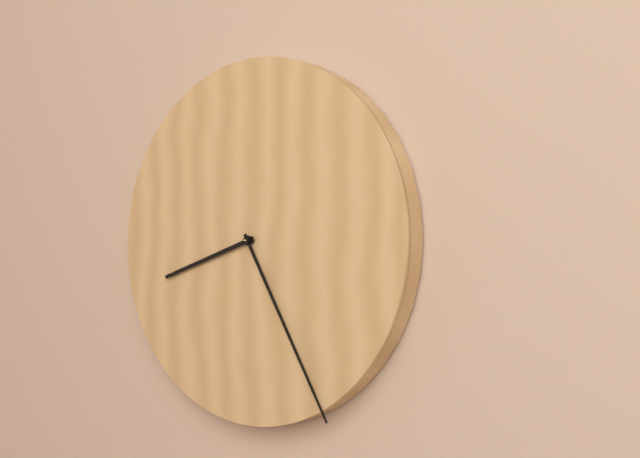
8:25
